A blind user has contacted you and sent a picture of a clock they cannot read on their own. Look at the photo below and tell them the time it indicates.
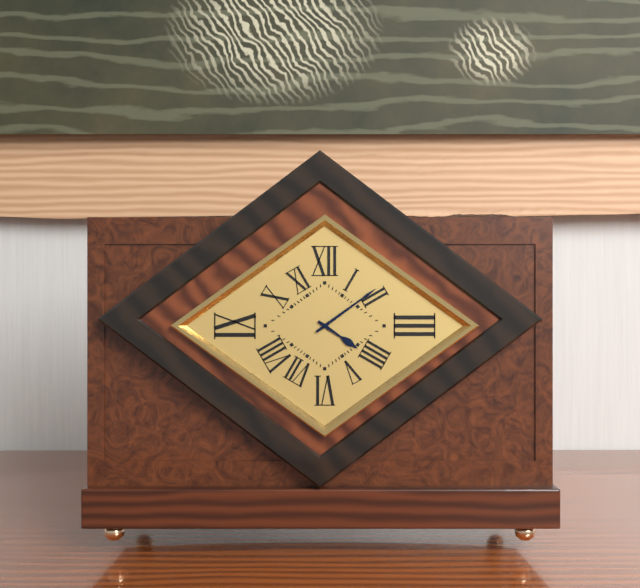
4:09
